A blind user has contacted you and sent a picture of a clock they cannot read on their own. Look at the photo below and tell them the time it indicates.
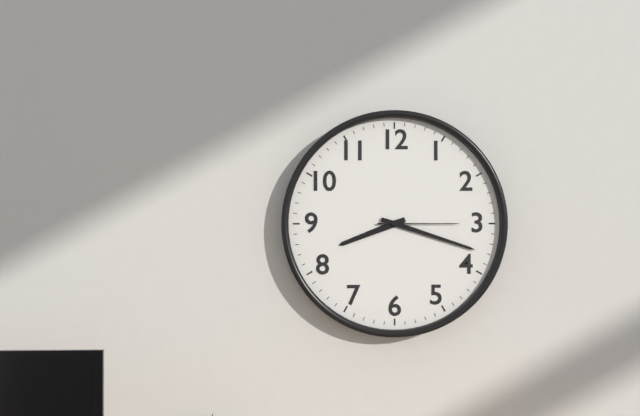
8:18:15
